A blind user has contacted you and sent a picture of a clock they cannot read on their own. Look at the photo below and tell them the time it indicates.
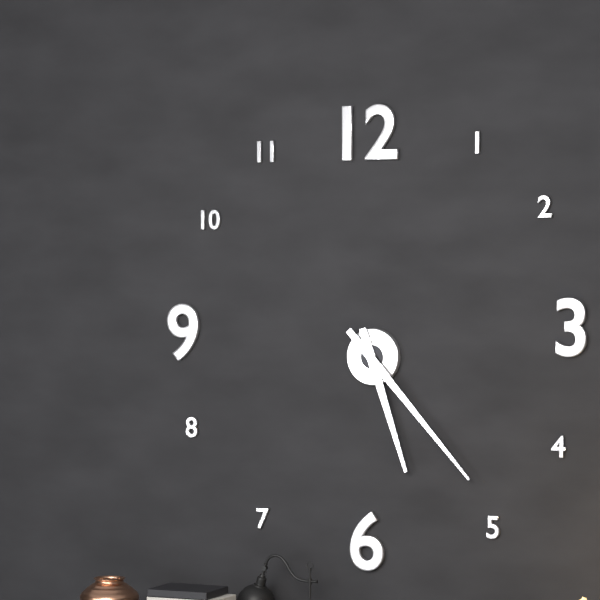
5:23
